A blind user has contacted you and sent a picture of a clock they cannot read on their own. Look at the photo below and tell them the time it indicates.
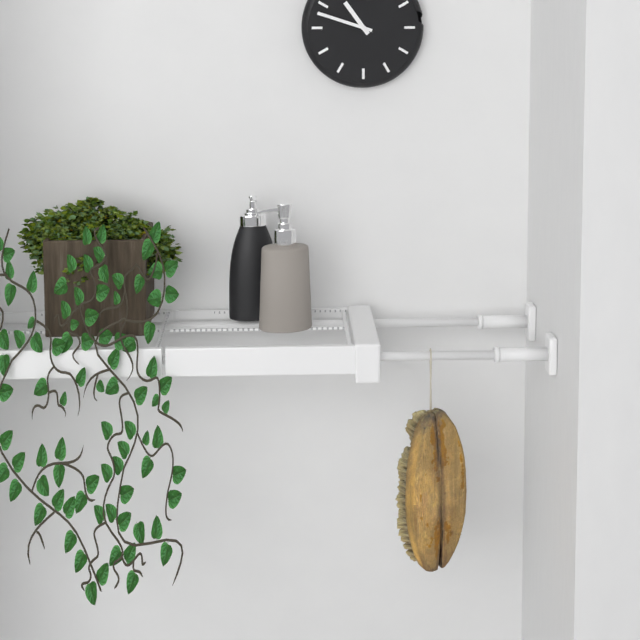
10:48
